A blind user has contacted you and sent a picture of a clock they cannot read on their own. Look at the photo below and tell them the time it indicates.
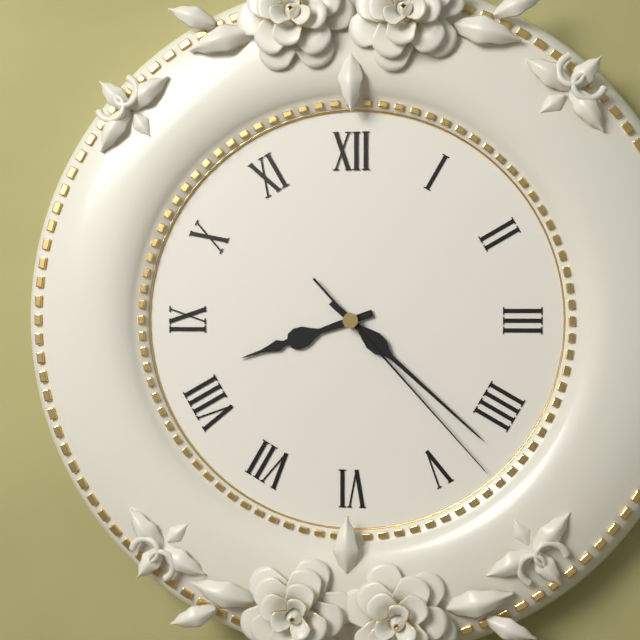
8:22:23
